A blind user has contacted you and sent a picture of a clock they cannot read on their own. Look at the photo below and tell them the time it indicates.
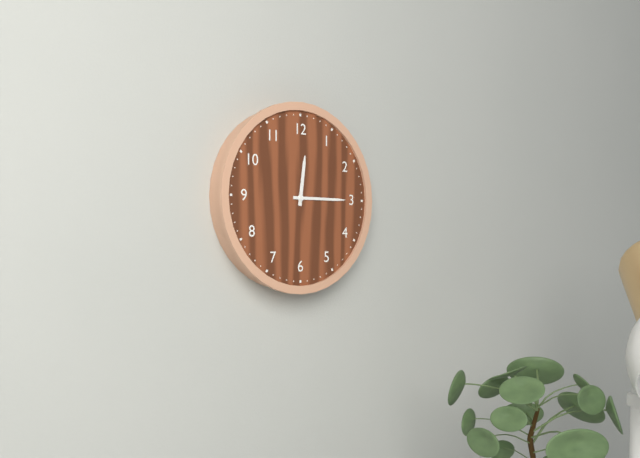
12:15
